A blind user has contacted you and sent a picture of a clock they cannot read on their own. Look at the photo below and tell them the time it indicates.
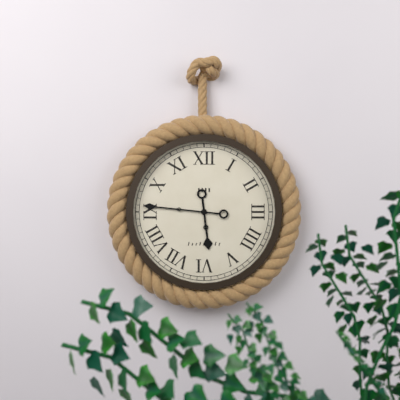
5:46
